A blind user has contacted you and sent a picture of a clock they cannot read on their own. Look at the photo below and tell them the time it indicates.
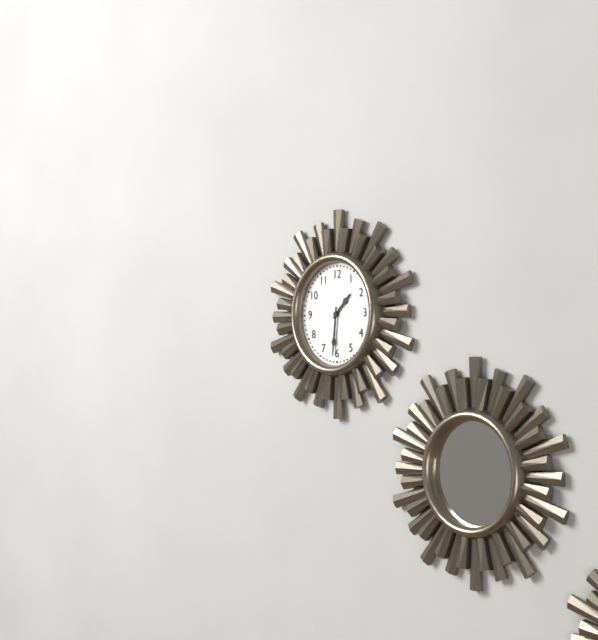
1:31
